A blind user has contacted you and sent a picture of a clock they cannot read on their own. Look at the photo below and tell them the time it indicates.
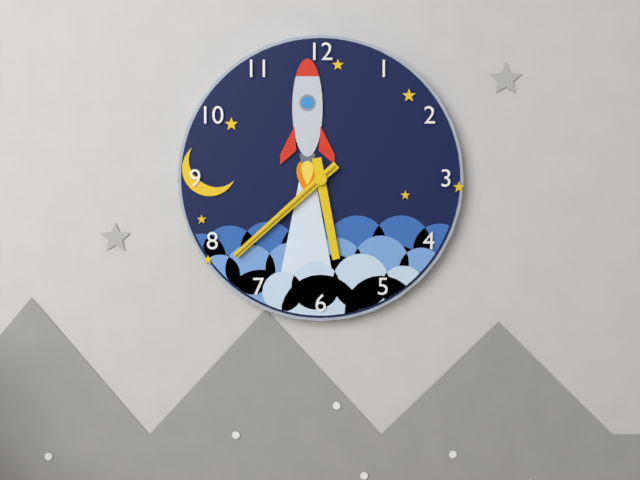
5:38:38
